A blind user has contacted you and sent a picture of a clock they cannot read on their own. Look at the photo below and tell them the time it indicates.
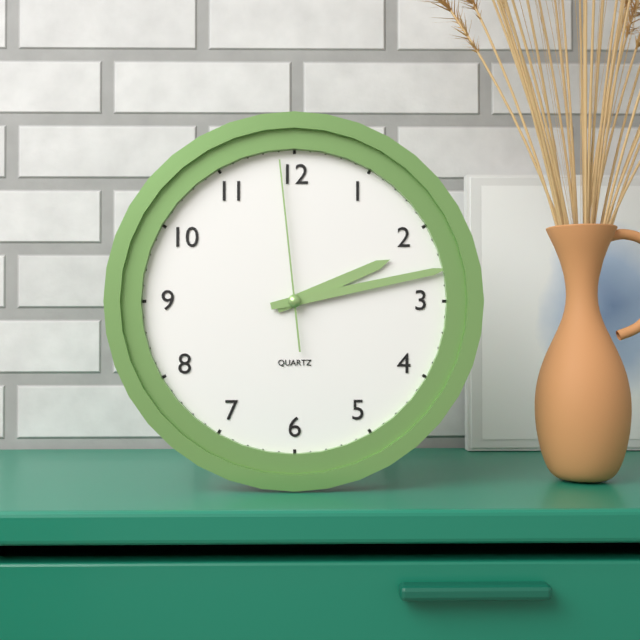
2:13:59
